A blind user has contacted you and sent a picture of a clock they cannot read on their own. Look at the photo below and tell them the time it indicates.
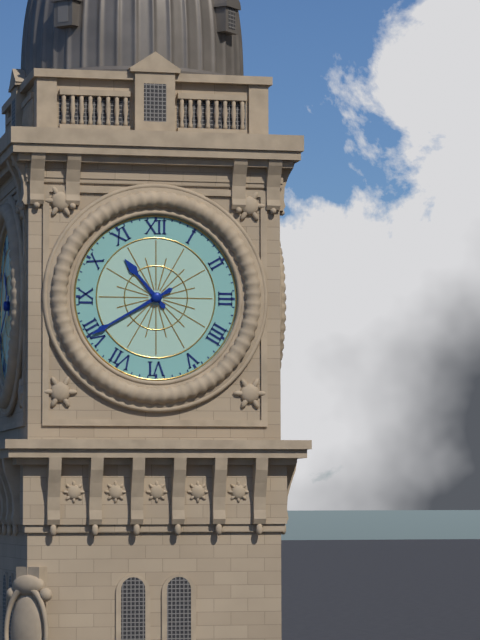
10:40
